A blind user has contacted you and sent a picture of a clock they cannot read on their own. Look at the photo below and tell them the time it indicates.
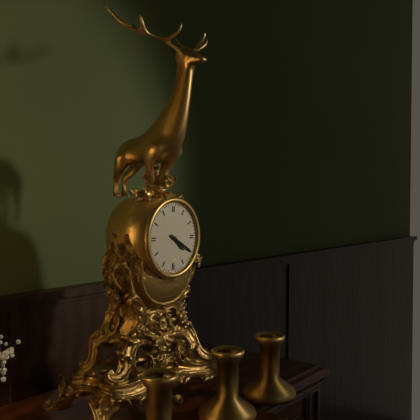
4:20
